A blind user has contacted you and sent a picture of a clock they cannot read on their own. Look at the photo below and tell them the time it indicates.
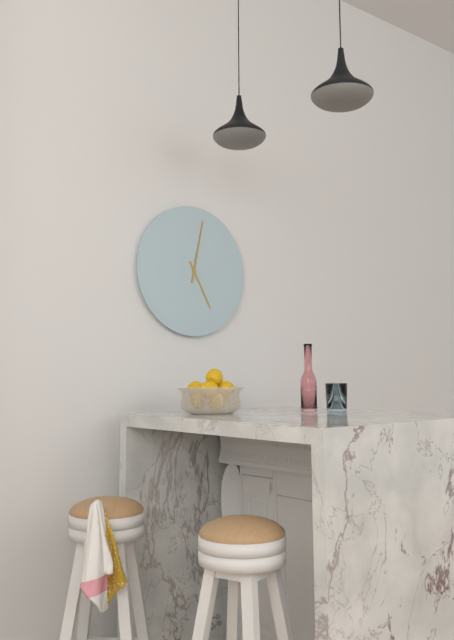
5:02
